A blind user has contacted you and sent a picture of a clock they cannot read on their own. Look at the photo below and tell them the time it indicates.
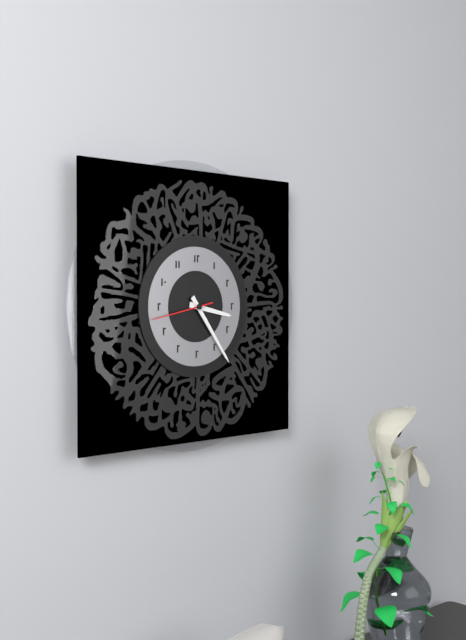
3:24:43
